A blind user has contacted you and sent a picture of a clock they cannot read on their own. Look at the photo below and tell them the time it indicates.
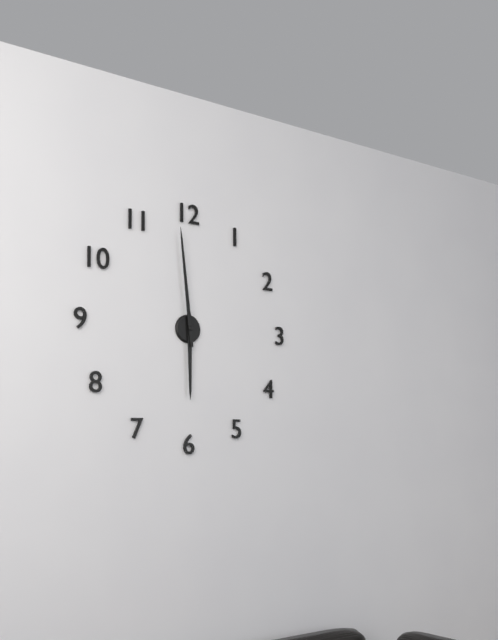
5:59
